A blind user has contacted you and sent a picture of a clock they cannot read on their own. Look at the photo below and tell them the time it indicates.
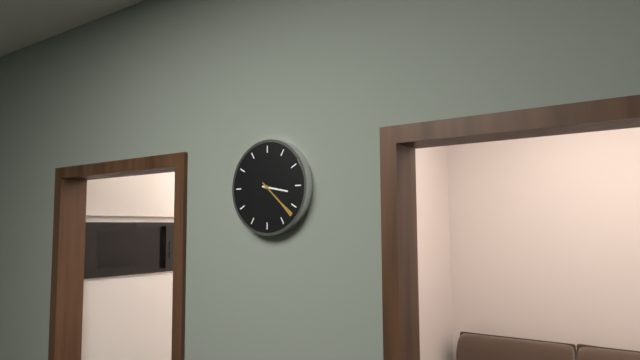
3:22
